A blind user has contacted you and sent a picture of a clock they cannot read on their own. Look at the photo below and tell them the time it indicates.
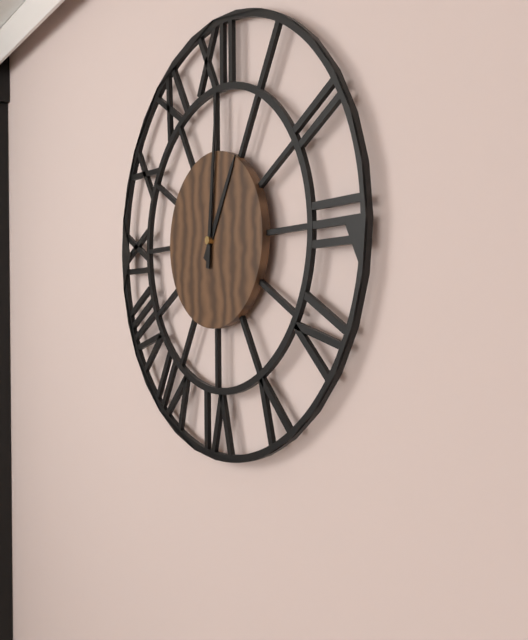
1:01
